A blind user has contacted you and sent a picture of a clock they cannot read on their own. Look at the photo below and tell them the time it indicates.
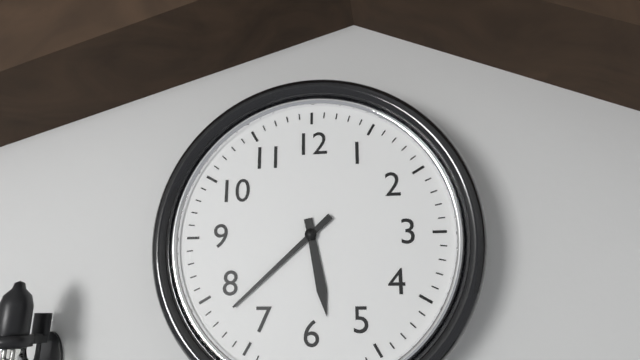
5:38
